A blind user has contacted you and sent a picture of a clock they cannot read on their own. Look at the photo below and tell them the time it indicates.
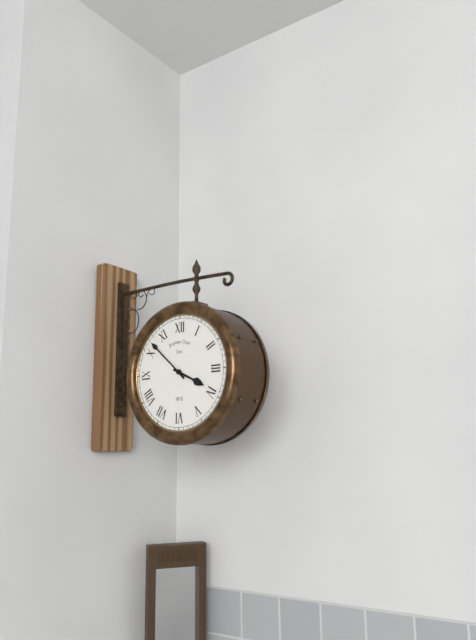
3:52
